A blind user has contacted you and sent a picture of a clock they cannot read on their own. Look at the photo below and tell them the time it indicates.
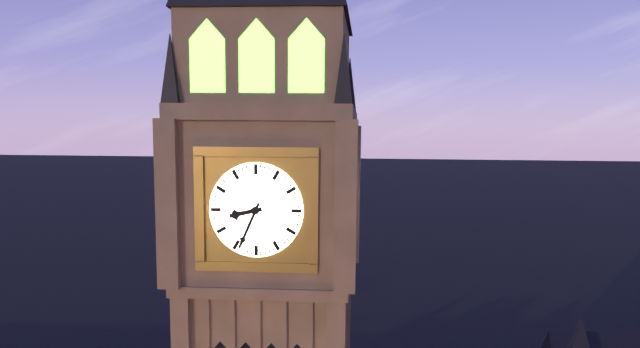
8:34
